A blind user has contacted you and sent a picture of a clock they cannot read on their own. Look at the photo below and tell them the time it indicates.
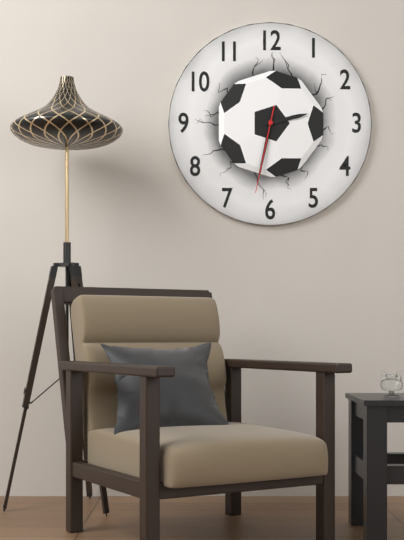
2:32:32
